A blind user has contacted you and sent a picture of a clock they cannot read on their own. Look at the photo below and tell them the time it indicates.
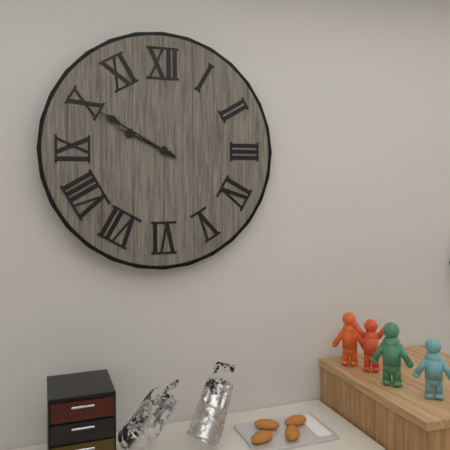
9:50
